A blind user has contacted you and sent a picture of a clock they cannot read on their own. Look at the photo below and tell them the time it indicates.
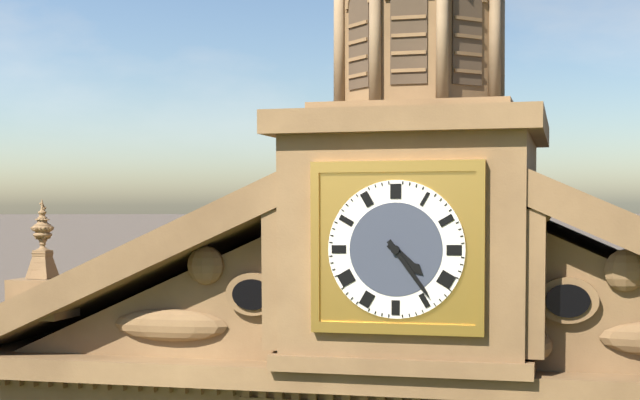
4:24
